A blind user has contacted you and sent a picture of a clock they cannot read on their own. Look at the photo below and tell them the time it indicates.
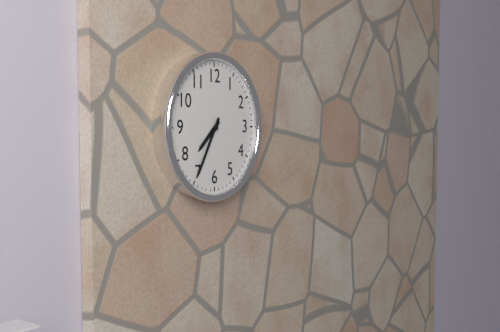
7:35
